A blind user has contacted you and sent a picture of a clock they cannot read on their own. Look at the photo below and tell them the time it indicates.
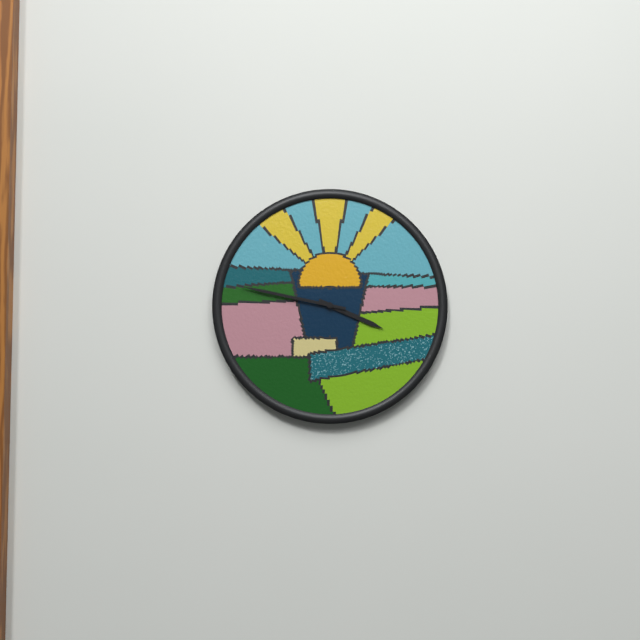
3:47
